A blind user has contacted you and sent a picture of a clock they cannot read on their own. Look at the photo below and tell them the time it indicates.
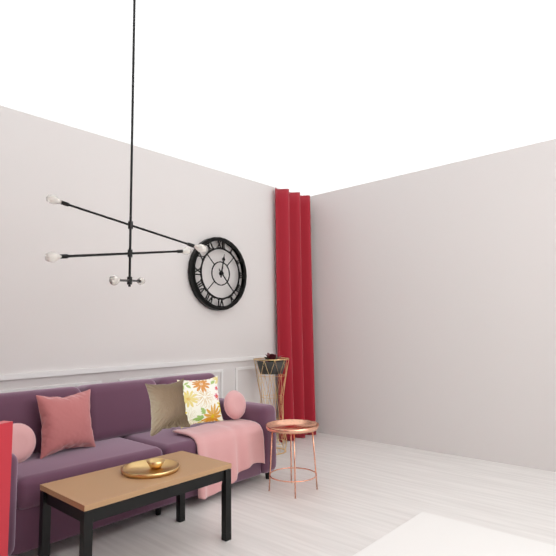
12:23
